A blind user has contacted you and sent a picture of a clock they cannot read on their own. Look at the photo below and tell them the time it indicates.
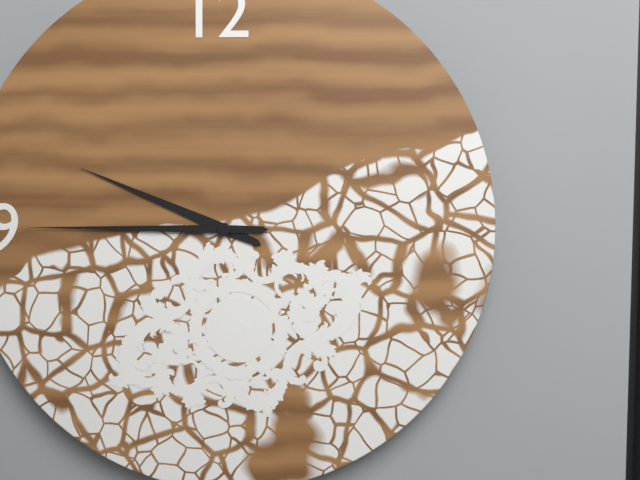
9:45
